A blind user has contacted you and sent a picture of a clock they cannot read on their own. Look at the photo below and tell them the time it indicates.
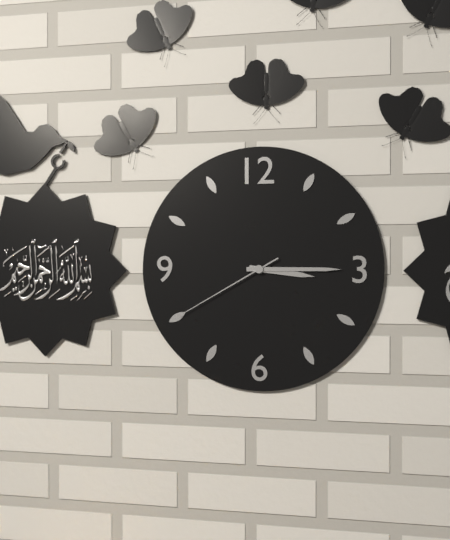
3:15:40
